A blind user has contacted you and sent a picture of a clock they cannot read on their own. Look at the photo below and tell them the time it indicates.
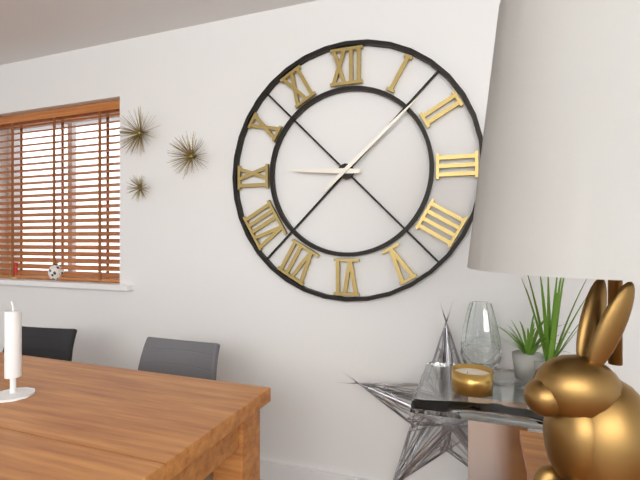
9:08
